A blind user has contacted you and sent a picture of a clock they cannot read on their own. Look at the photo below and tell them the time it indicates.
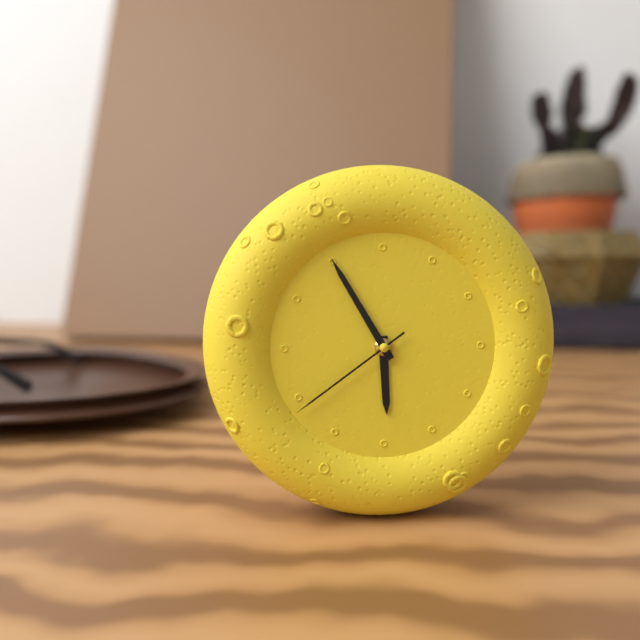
5:55:39
